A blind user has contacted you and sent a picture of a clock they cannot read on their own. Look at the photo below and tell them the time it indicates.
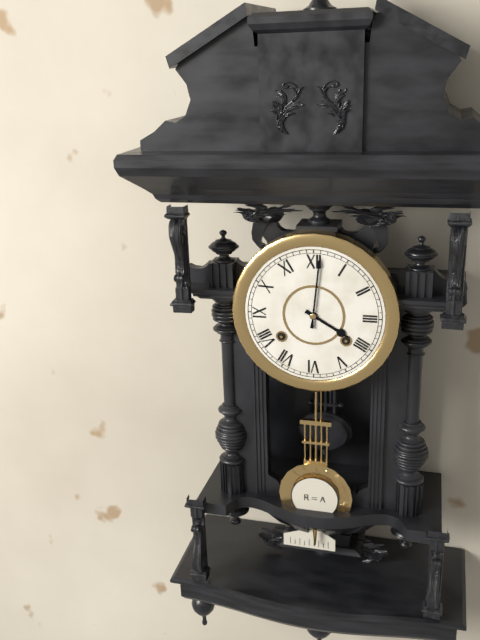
4:01
